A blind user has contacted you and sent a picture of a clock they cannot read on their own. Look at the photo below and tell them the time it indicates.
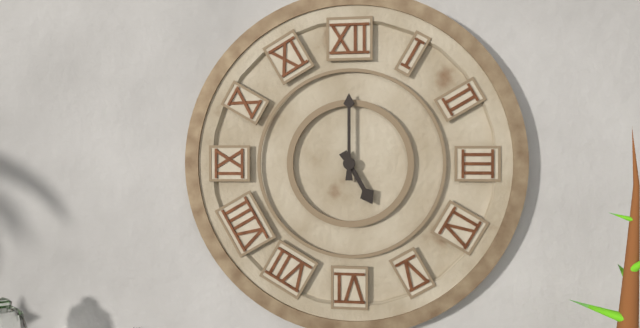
5:00
